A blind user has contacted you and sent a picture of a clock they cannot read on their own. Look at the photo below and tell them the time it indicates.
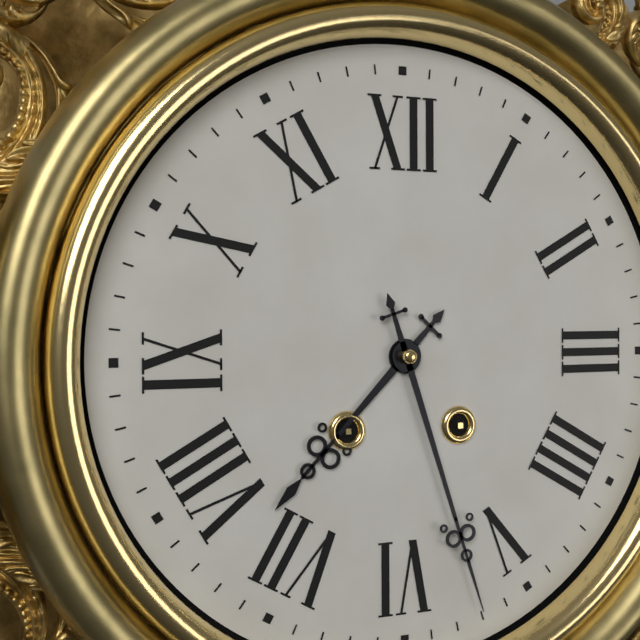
7:27
